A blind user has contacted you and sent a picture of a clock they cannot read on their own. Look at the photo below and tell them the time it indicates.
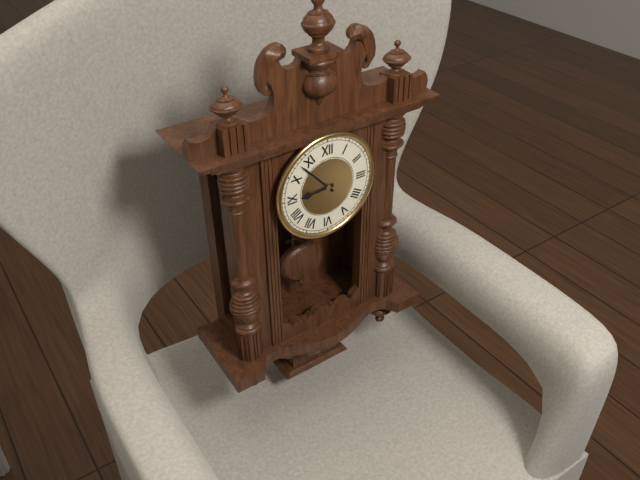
8:53
